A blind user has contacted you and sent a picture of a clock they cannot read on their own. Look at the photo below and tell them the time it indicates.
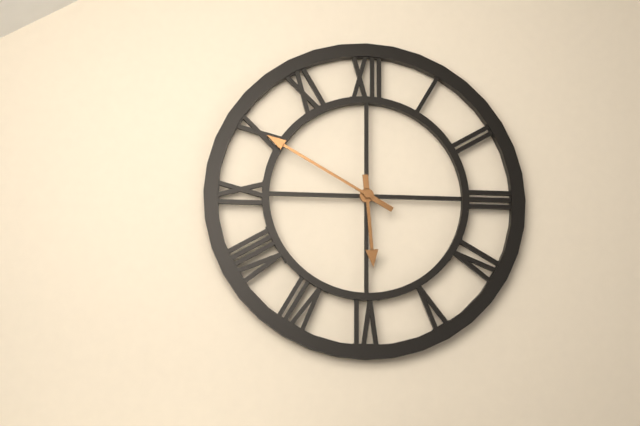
5:50
